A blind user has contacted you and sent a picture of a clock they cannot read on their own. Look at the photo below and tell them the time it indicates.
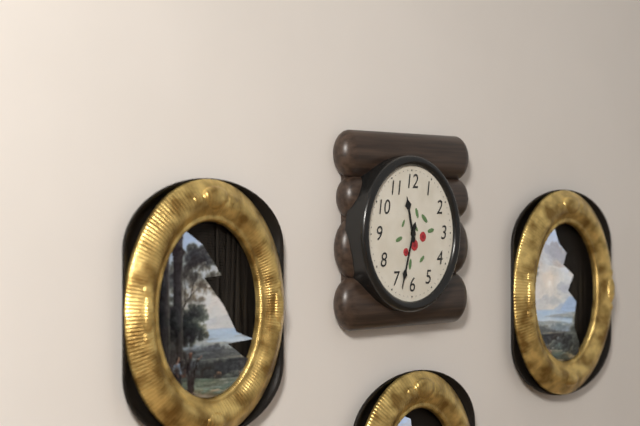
11:33
